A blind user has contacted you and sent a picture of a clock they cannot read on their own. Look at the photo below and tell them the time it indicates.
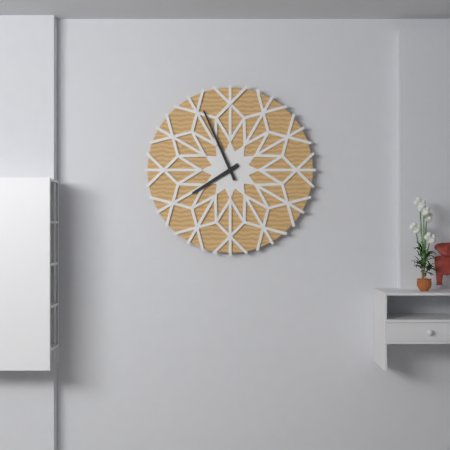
7:56
